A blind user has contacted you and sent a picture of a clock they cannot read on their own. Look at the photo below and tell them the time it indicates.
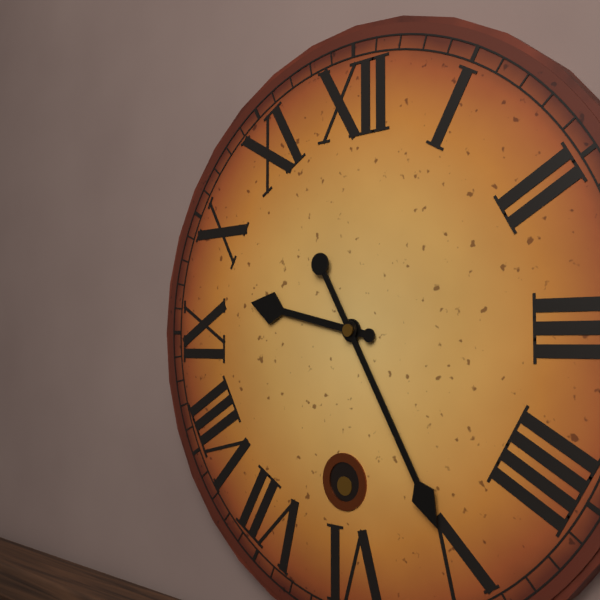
9:25
